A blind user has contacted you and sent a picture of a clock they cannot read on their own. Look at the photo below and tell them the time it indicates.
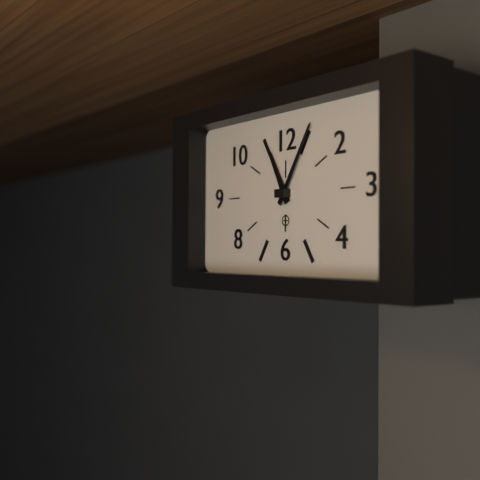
11:05
